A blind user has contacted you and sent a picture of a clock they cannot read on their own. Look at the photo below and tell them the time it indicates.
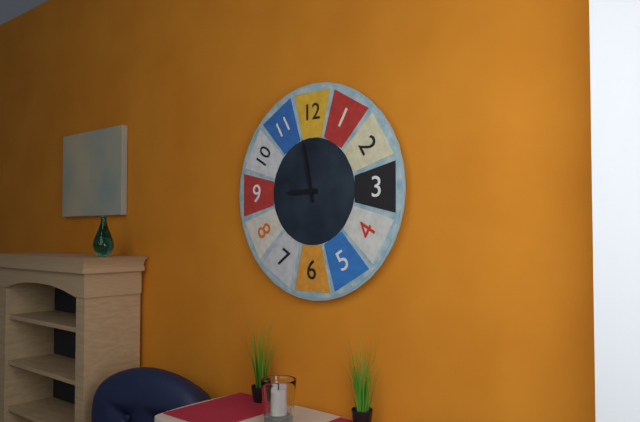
8:58
